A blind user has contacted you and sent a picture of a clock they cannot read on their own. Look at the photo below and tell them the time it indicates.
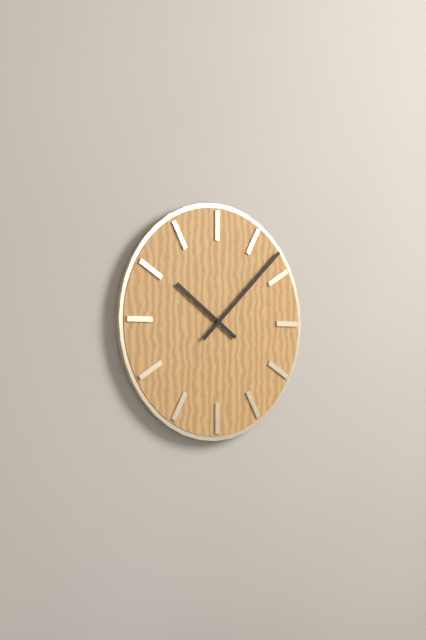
10:08
